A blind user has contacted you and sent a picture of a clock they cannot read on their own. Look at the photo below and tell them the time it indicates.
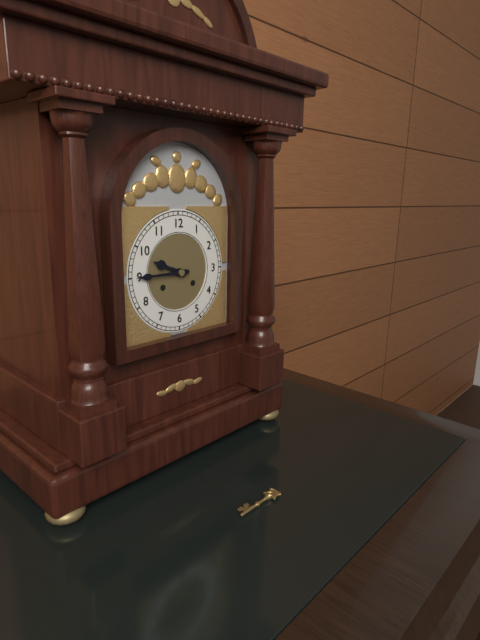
9:45
